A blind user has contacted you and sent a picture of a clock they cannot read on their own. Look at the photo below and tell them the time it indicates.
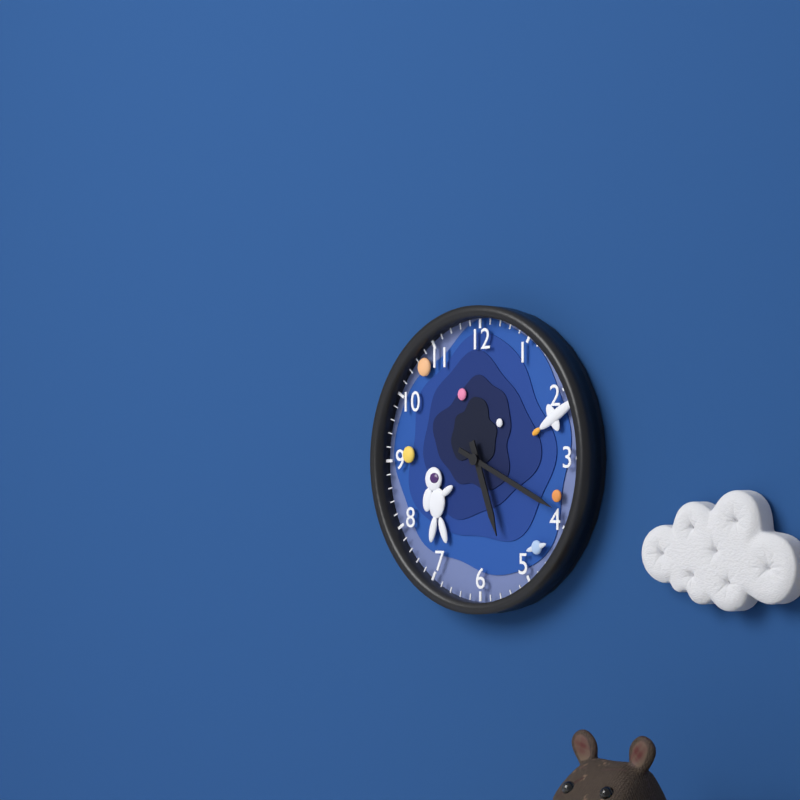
5:19
